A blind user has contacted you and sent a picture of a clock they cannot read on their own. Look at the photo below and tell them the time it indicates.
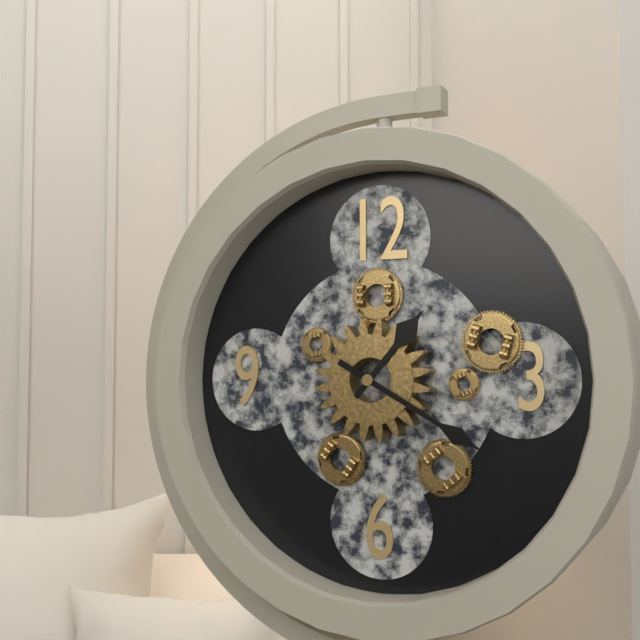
1:20
